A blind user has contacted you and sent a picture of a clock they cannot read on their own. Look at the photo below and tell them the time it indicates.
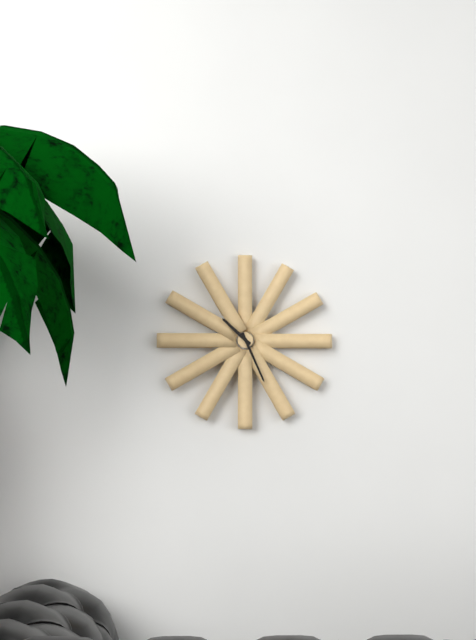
10:26
